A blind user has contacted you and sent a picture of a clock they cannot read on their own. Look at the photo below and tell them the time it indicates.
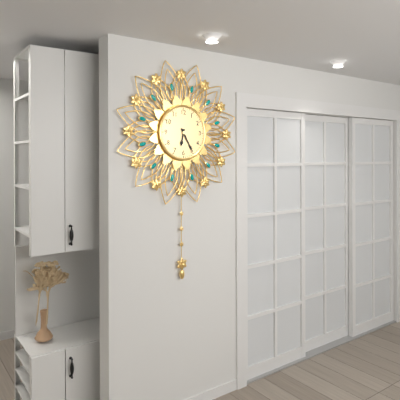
6:25
